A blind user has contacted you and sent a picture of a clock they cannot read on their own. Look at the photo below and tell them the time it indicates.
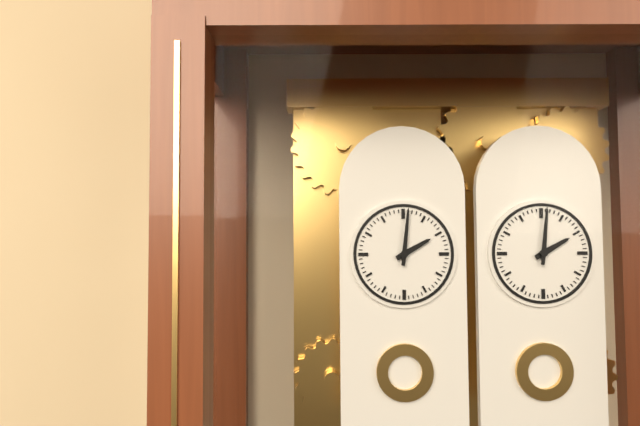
2:01
